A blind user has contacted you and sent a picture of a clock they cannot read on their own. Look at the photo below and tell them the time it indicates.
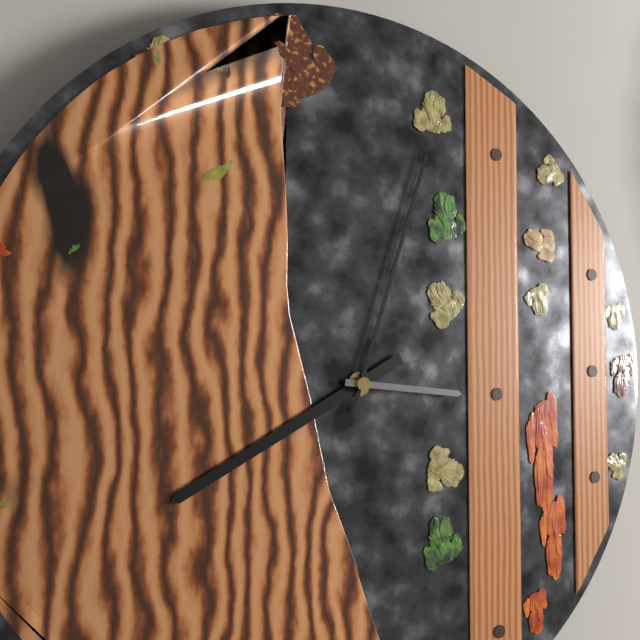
8:03:16
